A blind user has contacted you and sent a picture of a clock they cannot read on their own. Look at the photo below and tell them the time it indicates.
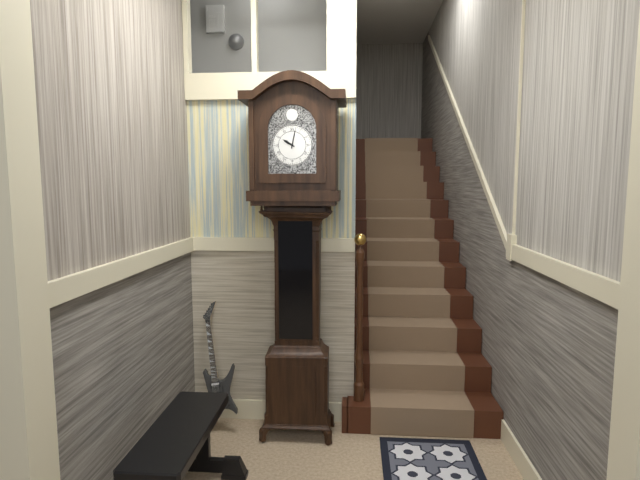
10:02
